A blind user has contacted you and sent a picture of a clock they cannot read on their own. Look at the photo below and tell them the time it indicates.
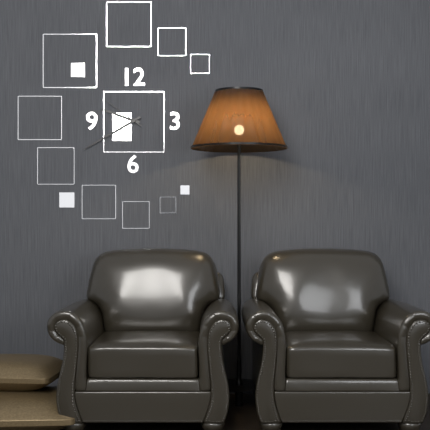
9:40:51
